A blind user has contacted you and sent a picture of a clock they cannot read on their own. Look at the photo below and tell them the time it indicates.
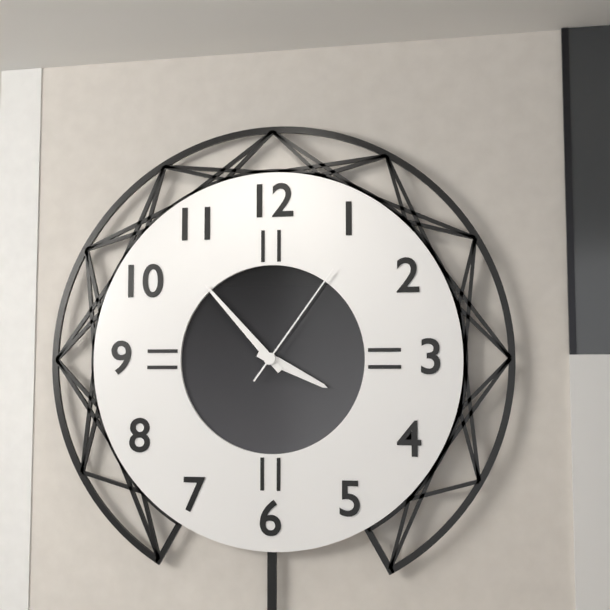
3:53:06
